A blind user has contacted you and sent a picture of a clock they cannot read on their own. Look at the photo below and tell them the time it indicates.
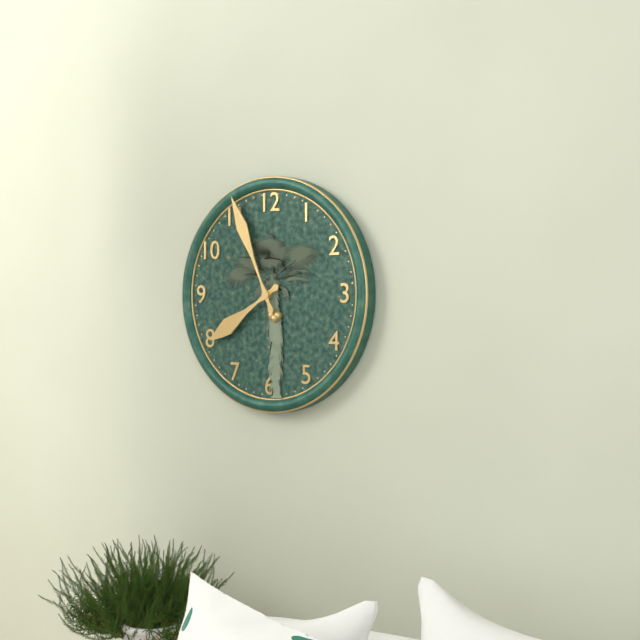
7:56
